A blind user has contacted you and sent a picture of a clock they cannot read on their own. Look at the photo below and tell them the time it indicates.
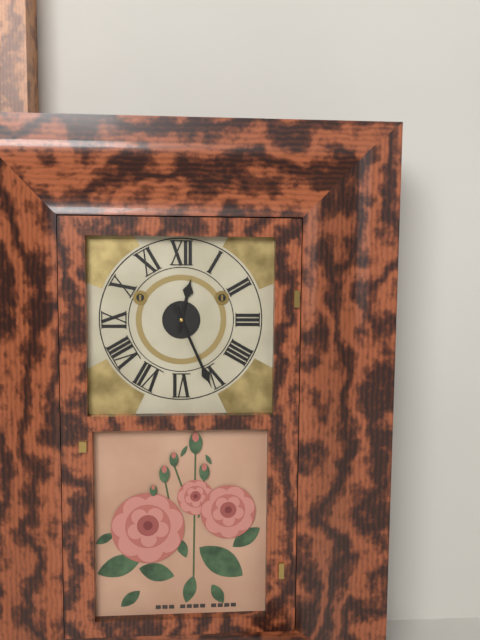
12:26
